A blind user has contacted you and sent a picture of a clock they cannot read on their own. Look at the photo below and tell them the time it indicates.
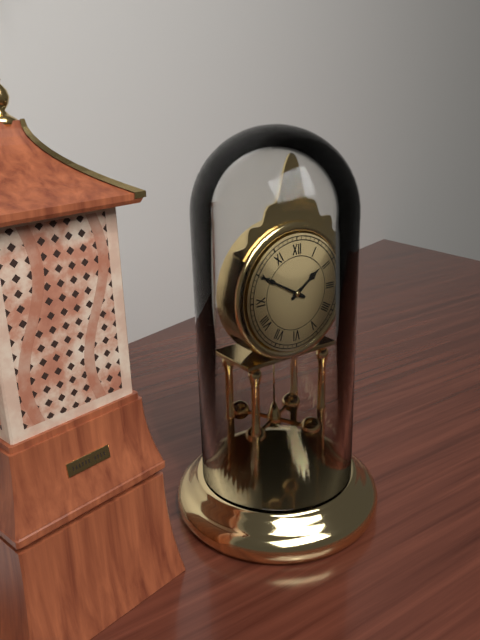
1:50
